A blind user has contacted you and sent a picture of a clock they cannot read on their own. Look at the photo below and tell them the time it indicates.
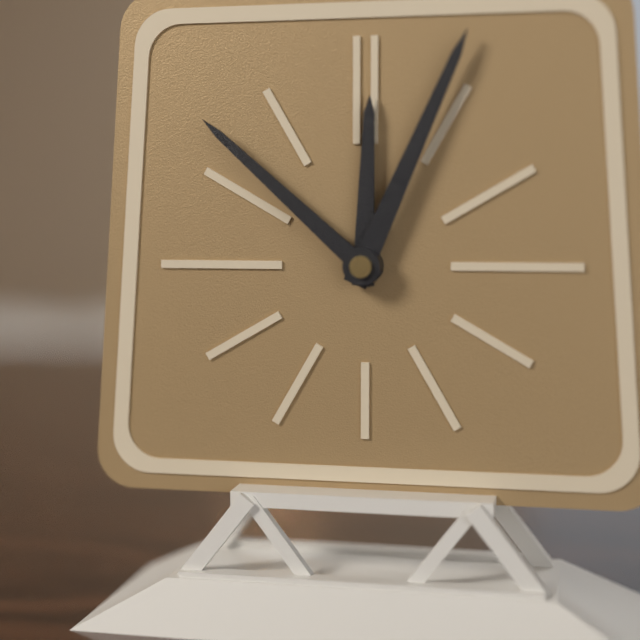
12:04:52
